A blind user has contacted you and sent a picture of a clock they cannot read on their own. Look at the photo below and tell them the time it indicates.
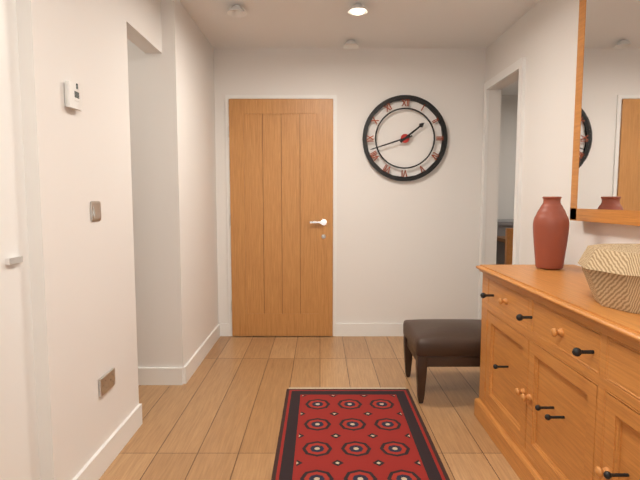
1:42
